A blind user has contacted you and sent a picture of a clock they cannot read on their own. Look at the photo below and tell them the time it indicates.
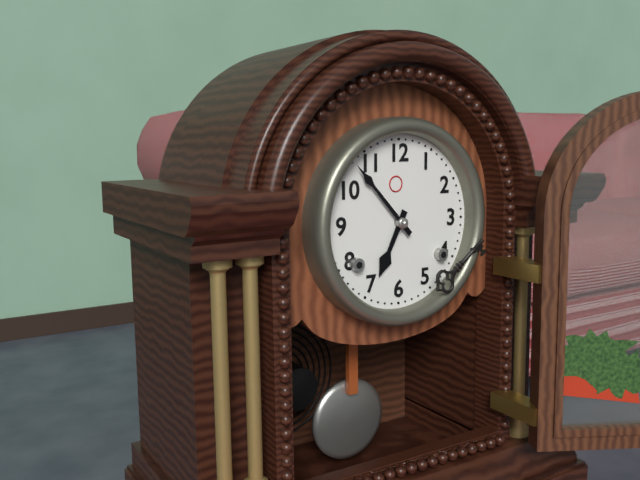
6:53
